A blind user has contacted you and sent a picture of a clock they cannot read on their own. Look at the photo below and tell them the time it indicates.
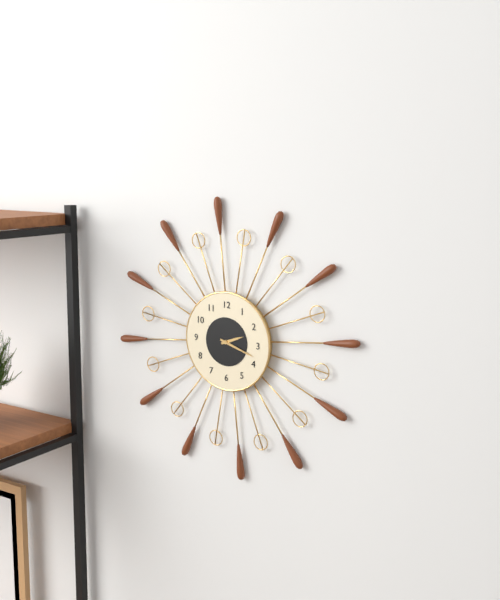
2:18
